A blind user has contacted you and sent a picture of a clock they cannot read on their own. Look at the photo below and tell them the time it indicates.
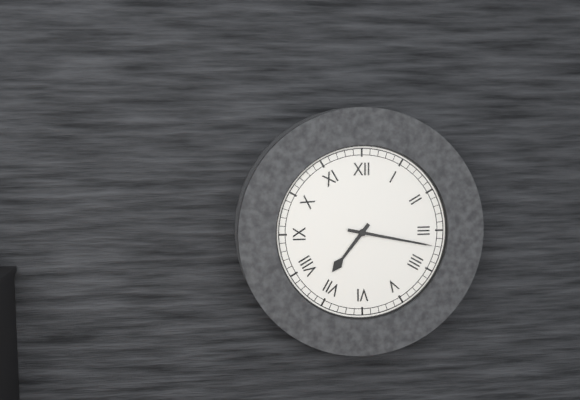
7:17
